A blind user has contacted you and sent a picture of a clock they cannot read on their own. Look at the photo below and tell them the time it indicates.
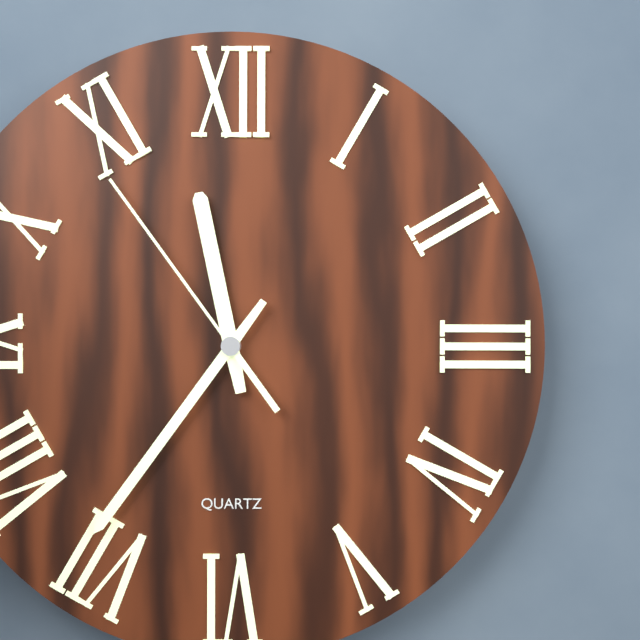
11:36:54
